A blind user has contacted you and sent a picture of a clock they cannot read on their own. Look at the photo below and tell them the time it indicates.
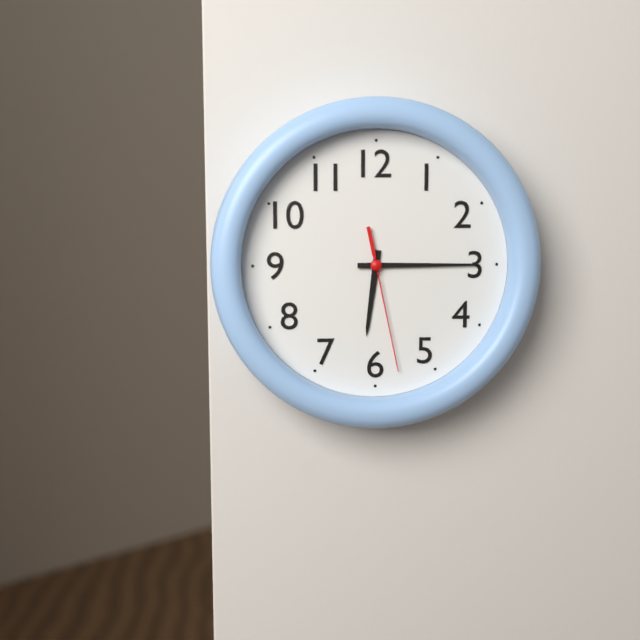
6:15:28
